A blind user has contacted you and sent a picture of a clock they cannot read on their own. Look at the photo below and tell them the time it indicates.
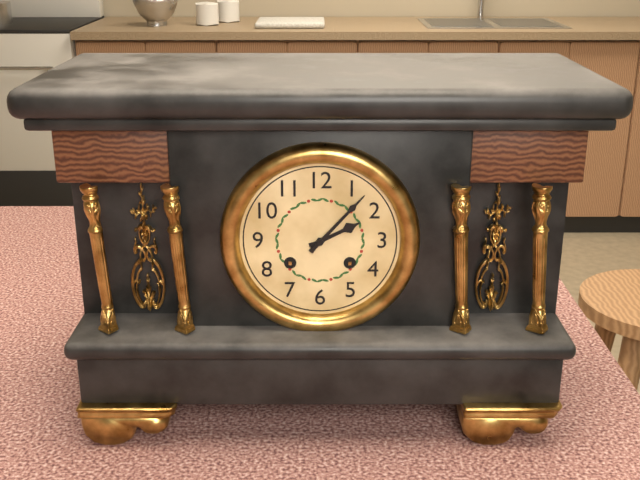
2:07
